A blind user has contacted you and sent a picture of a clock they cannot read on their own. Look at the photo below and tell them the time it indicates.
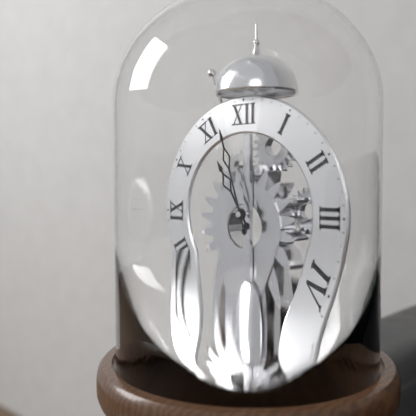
10:57
